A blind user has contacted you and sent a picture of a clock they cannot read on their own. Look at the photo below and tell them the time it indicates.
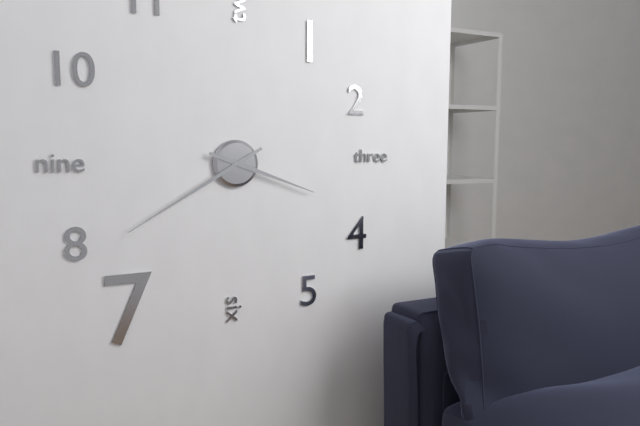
3:40
